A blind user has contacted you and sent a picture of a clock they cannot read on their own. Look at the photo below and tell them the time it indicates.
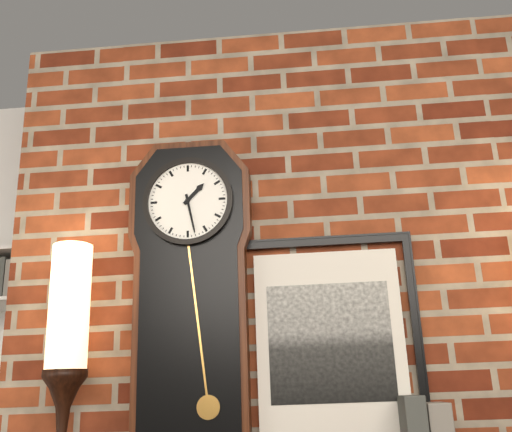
1:28
